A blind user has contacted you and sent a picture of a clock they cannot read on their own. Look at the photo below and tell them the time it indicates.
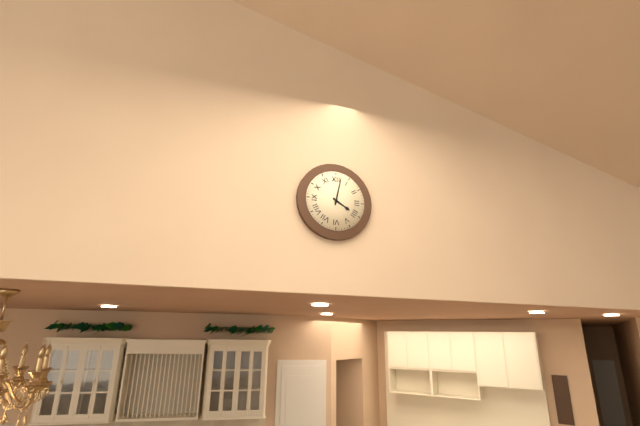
4:02
